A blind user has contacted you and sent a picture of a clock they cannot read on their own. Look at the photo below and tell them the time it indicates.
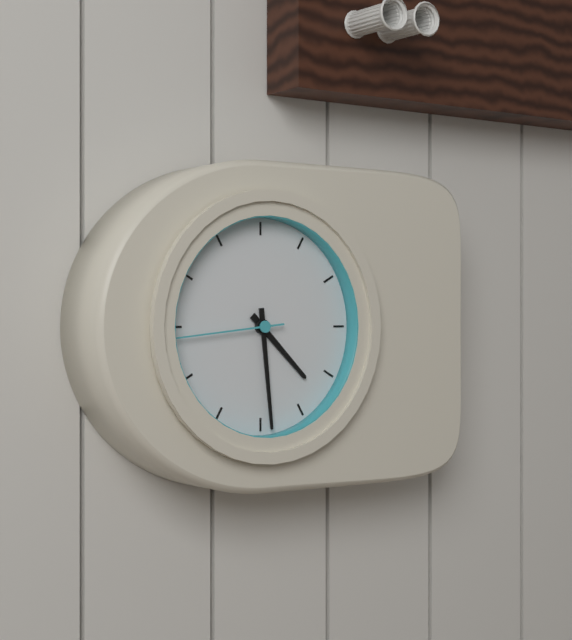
4:29:44
